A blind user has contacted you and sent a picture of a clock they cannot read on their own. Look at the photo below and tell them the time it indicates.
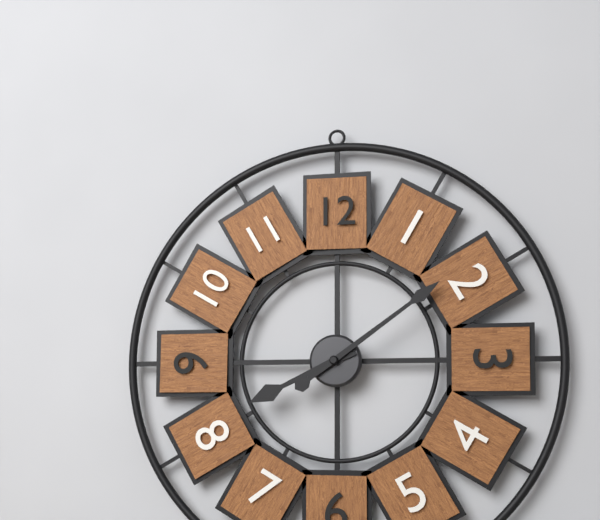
8:09
